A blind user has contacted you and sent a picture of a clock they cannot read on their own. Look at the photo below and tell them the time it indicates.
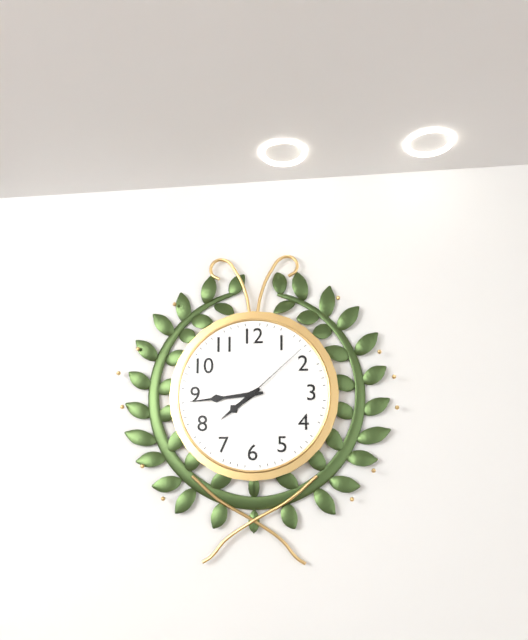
7:44:08
